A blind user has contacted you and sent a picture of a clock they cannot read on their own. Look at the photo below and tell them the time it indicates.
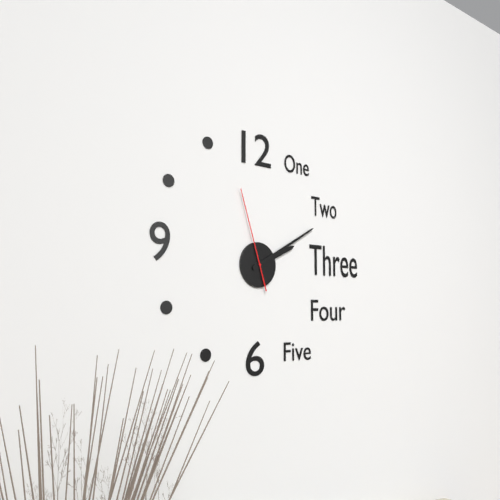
2:10:57
